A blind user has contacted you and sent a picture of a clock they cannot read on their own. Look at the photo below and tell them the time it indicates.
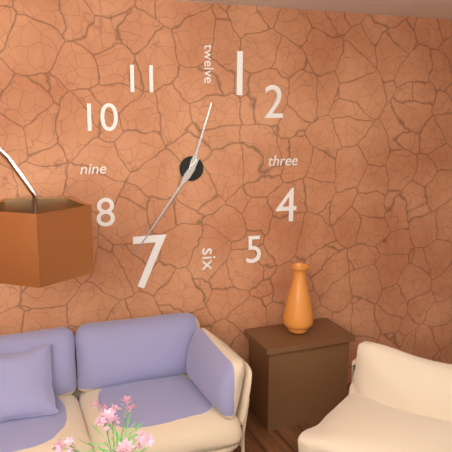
12:36
